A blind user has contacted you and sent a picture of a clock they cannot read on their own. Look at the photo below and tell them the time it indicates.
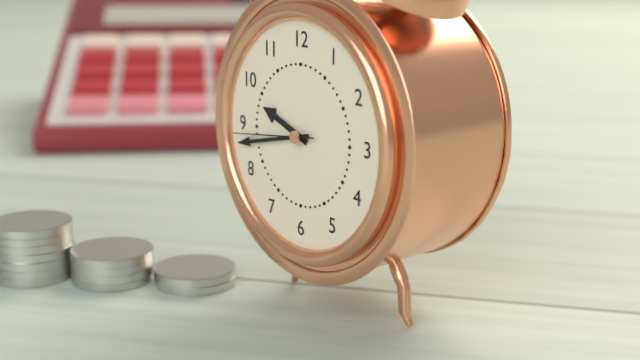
9:43:44
